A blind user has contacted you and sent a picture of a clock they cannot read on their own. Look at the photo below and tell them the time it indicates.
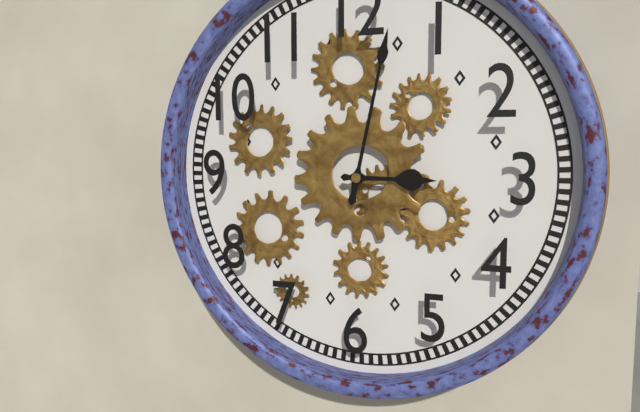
3:02
